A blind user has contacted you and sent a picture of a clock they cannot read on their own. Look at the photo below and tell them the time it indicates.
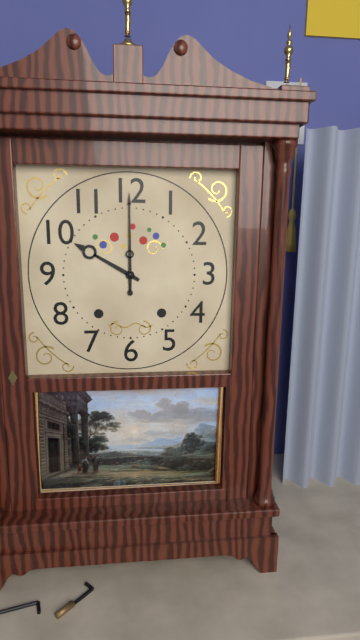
10:00
